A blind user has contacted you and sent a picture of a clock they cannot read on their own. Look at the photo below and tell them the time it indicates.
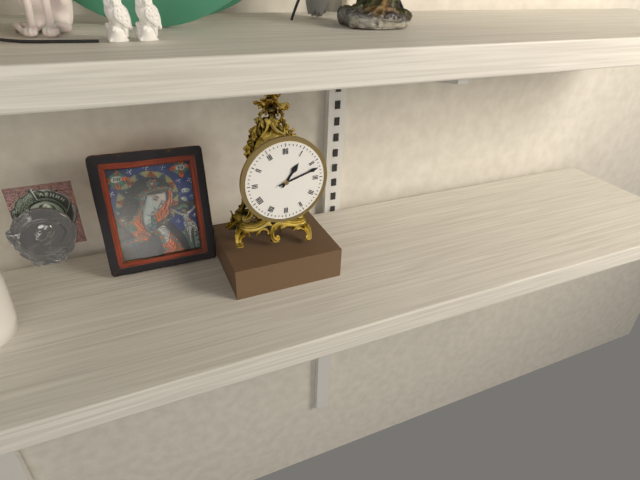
1:12
